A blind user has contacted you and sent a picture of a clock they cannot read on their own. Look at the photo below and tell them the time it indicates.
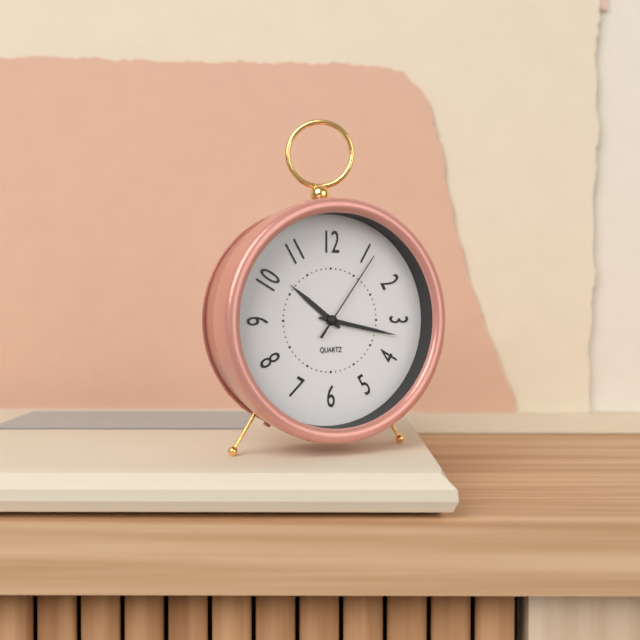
10:17:06
